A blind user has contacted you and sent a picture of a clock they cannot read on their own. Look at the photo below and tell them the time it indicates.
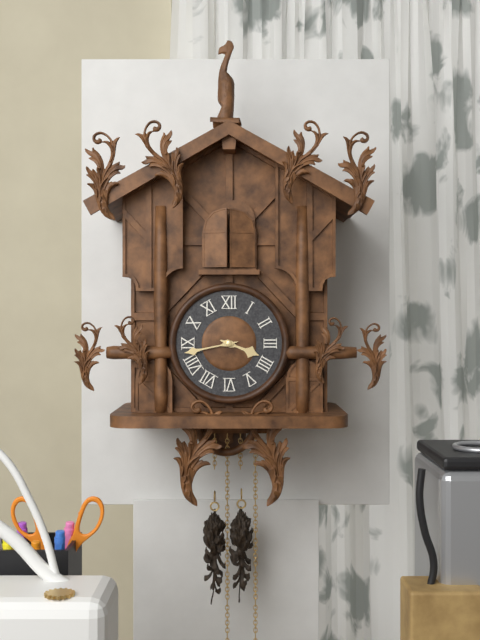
3:43
